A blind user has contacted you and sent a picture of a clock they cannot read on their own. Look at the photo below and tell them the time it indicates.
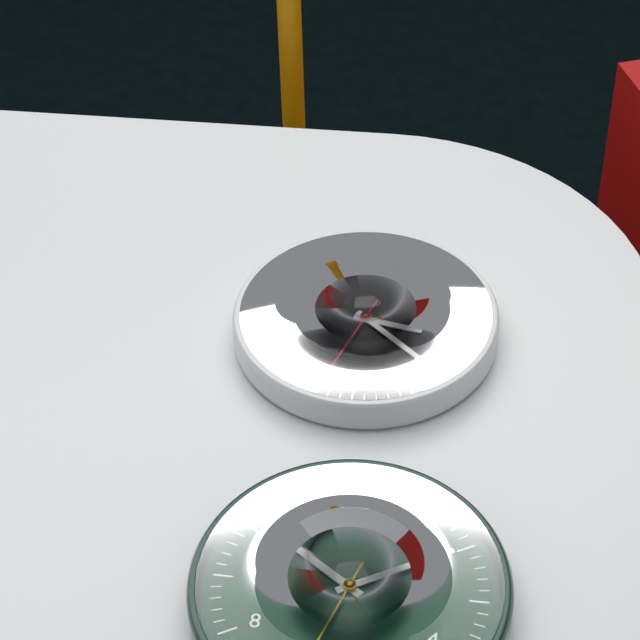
3:22:33
